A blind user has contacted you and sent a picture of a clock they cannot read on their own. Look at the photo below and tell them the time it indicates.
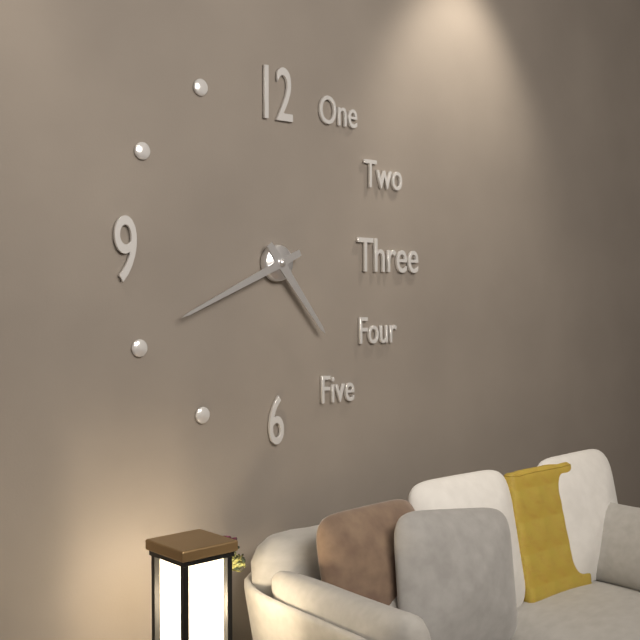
4:41
